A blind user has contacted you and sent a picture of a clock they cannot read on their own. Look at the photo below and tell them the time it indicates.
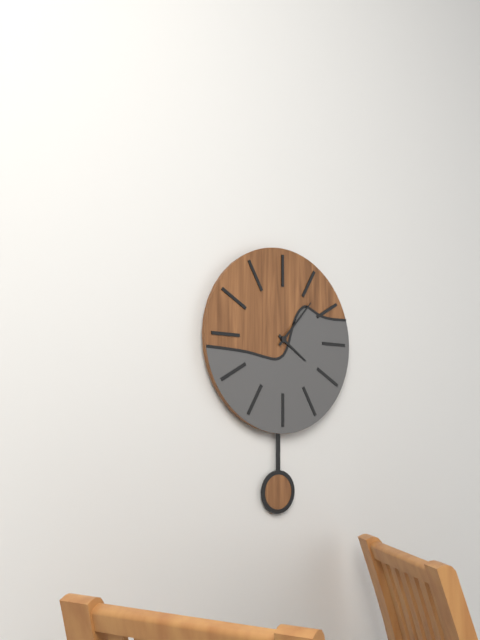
4:07
